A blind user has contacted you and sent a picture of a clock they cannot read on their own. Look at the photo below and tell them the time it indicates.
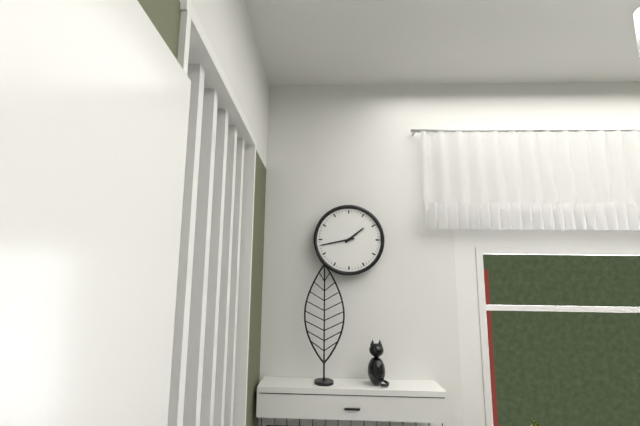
1:43
